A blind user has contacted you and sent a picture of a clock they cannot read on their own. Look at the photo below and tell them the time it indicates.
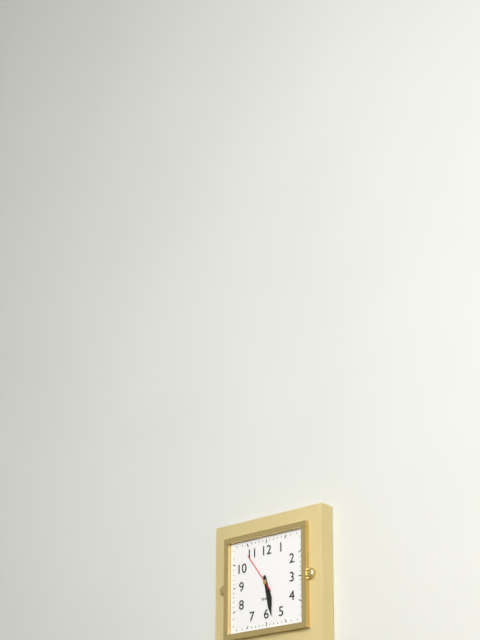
5:28
